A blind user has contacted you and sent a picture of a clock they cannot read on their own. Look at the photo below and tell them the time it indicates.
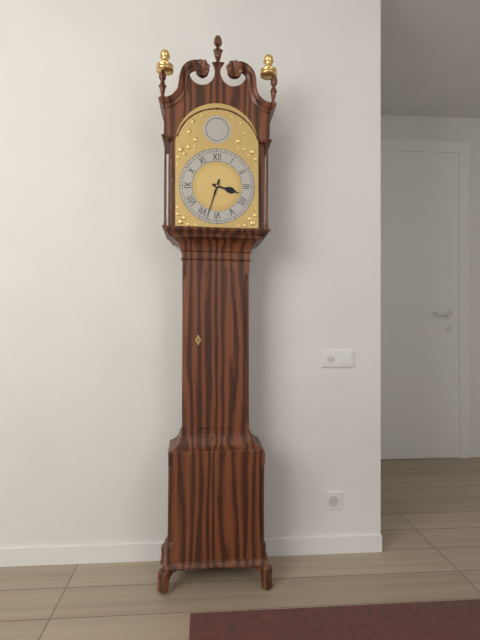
3:33
